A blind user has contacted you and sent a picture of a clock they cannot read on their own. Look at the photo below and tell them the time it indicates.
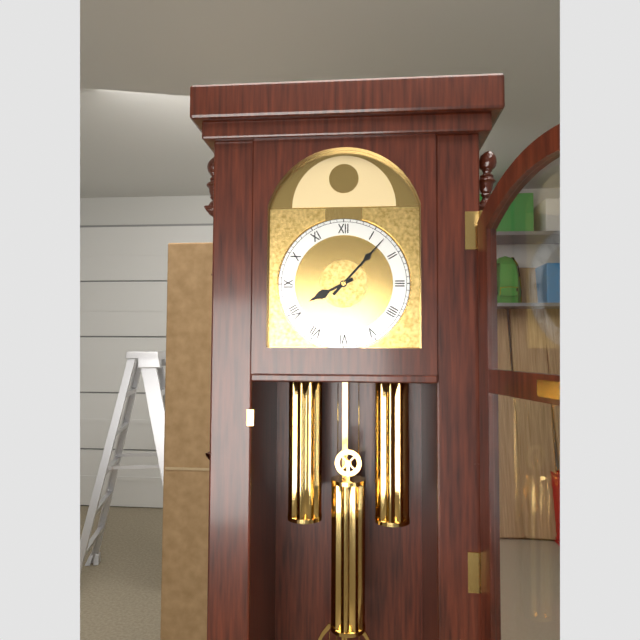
8:07
